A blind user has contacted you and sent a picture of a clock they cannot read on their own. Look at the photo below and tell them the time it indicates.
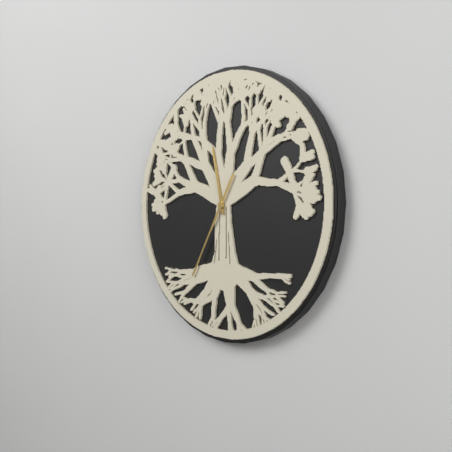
11:35
